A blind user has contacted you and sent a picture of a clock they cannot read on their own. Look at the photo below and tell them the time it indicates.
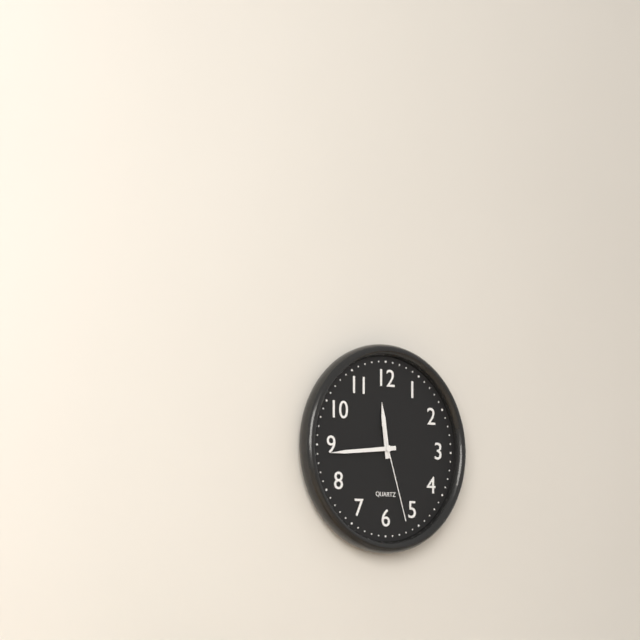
11:44:27
